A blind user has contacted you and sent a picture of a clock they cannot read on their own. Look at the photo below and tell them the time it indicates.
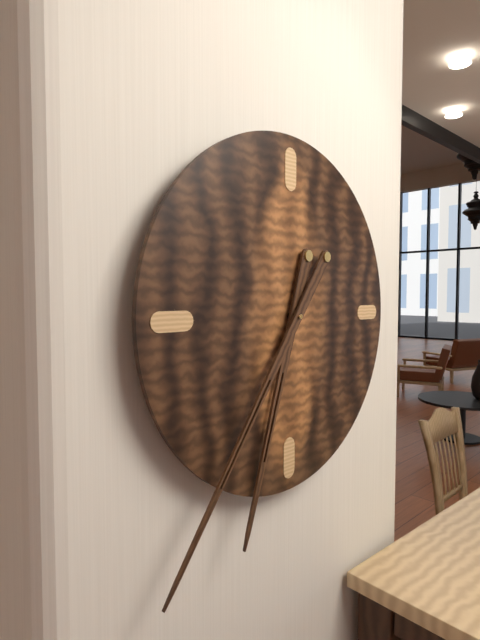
6:36
